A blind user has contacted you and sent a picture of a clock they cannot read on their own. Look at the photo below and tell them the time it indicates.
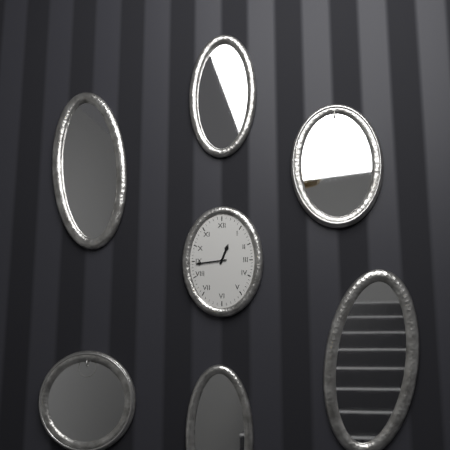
12:44
